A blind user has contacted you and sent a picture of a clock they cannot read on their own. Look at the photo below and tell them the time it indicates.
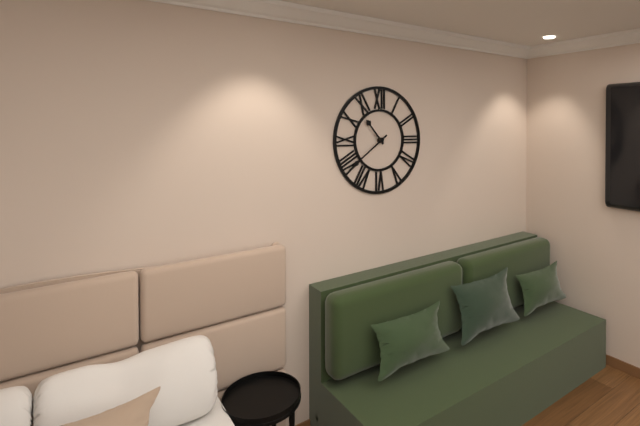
10:39
